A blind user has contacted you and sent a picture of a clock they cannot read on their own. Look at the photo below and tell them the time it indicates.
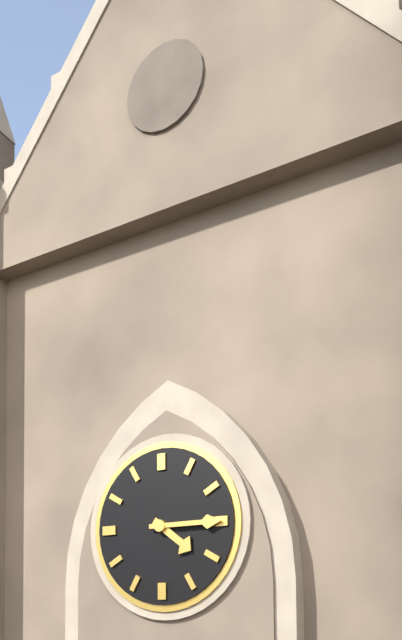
4:15
